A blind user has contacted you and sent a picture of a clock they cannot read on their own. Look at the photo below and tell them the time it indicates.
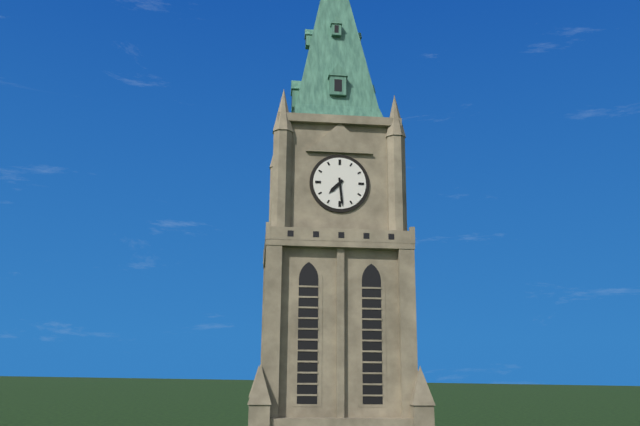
7:29
